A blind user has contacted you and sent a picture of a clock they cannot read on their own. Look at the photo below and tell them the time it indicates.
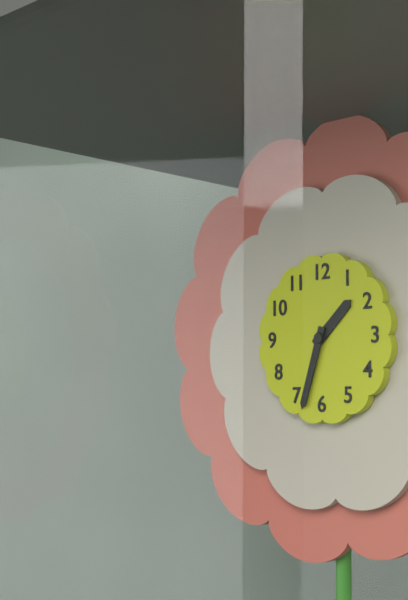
1:33
